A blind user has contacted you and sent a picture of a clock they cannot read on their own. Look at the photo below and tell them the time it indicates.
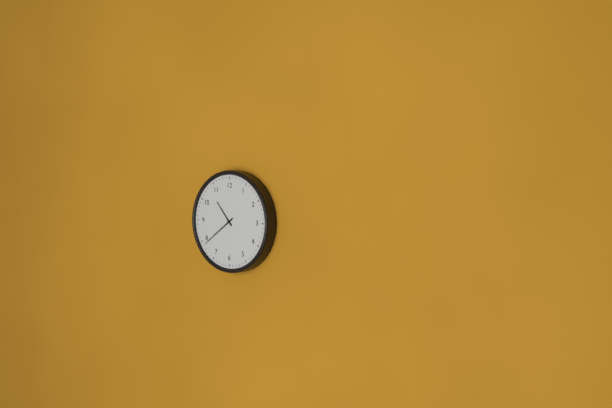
10:39
